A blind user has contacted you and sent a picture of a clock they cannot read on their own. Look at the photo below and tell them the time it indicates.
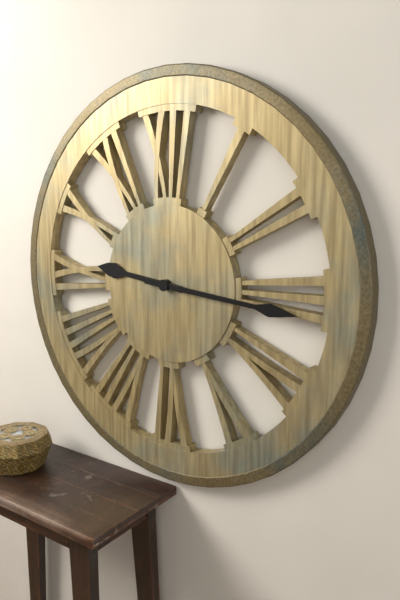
9:16
